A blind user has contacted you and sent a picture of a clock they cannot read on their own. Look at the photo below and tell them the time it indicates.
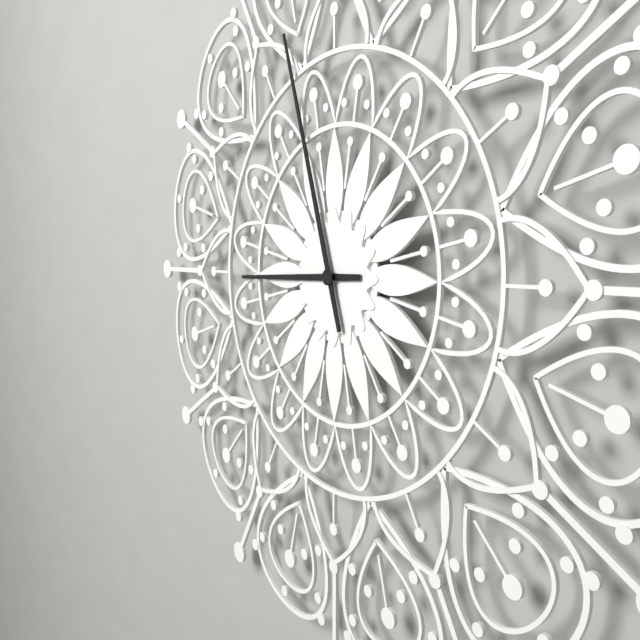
8:57
